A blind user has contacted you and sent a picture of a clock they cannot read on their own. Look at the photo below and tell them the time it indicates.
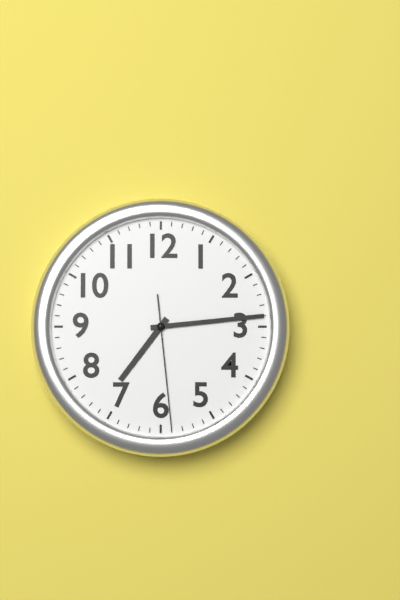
7:14:29
